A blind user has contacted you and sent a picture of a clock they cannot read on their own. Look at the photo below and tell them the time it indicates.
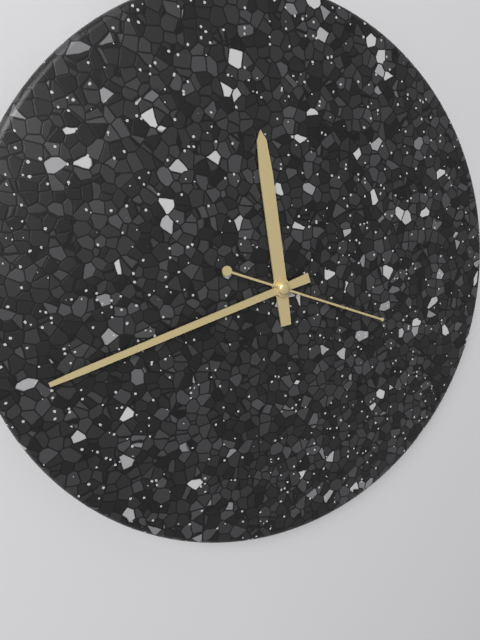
11:42:18
